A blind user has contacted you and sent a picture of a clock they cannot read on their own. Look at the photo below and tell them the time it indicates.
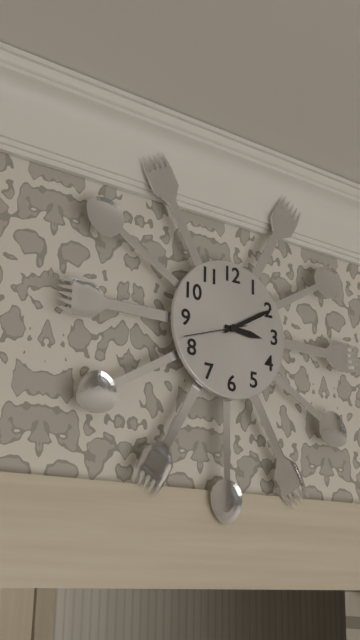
3:10:42
